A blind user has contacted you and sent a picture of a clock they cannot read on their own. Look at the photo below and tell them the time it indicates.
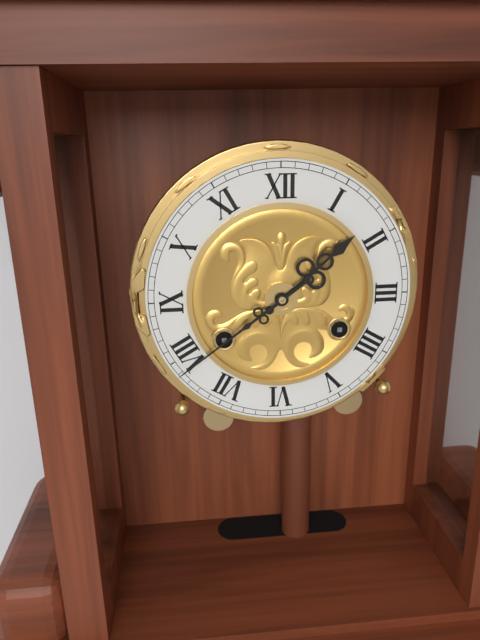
1:39
